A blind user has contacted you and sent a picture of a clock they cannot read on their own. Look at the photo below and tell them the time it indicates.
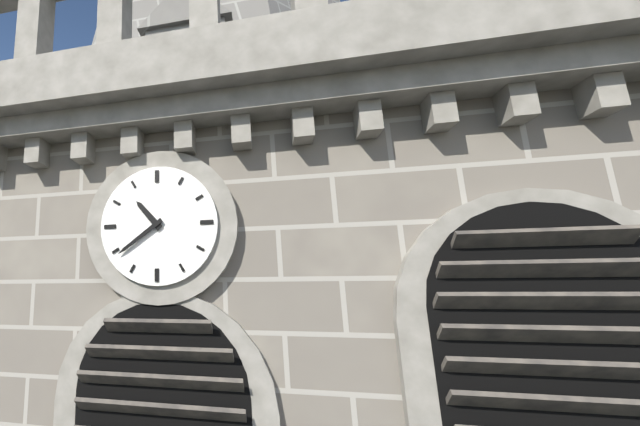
10:39
